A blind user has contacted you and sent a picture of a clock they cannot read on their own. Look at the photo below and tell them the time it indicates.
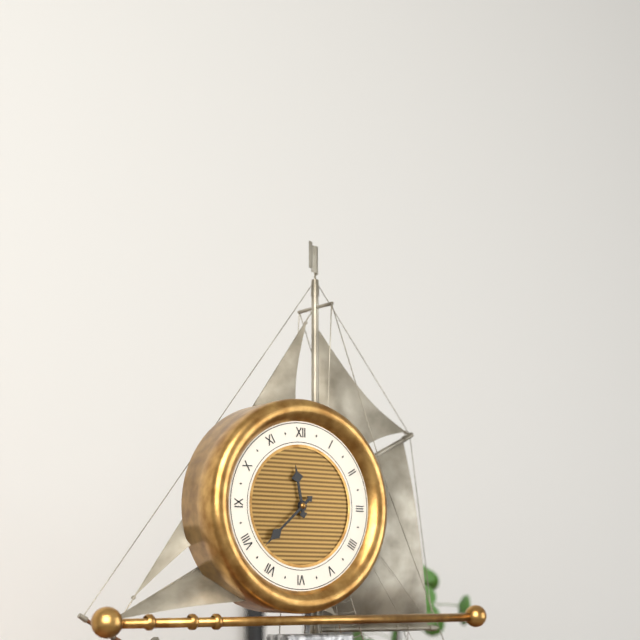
11:38
